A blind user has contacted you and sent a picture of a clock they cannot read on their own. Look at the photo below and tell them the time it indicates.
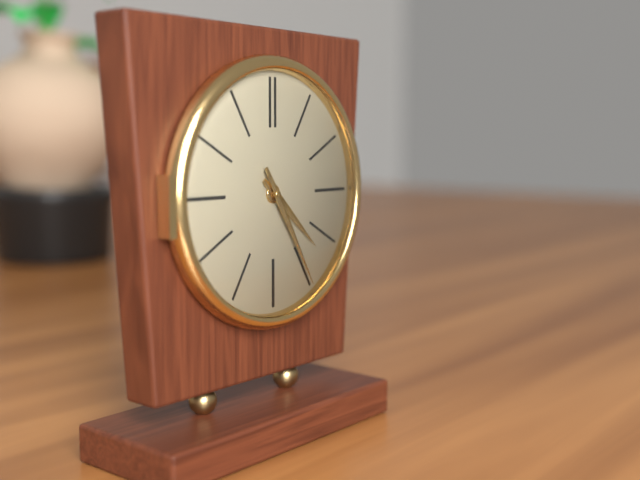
4:25
